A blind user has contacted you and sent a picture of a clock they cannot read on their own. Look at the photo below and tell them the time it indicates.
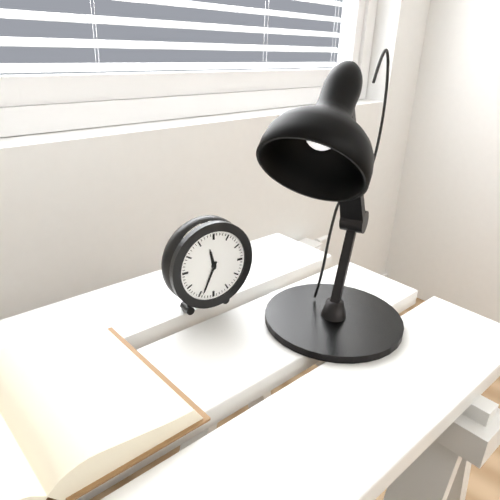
11:34
